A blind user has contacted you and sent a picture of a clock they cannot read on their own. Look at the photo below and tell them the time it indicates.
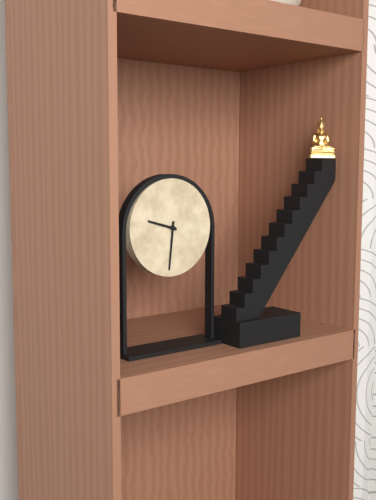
9:31
